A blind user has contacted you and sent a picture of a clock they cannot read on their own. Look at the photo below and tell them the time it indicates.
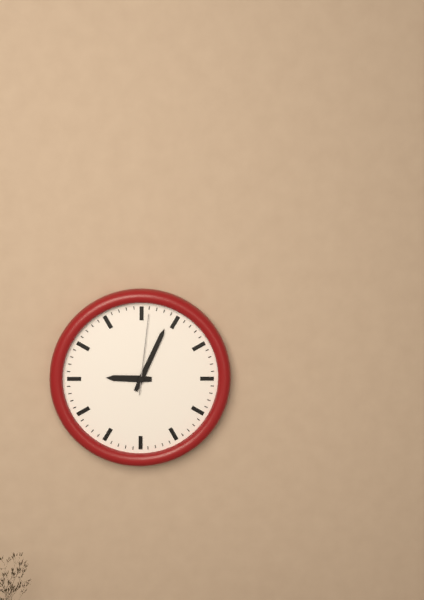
9:04:01
